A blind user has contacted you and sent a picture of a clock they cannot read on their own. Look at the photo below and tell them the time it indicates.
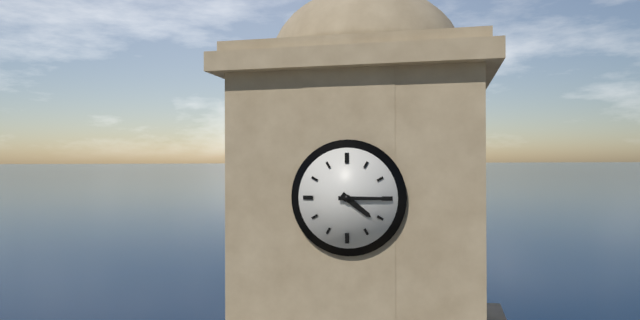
4:15
